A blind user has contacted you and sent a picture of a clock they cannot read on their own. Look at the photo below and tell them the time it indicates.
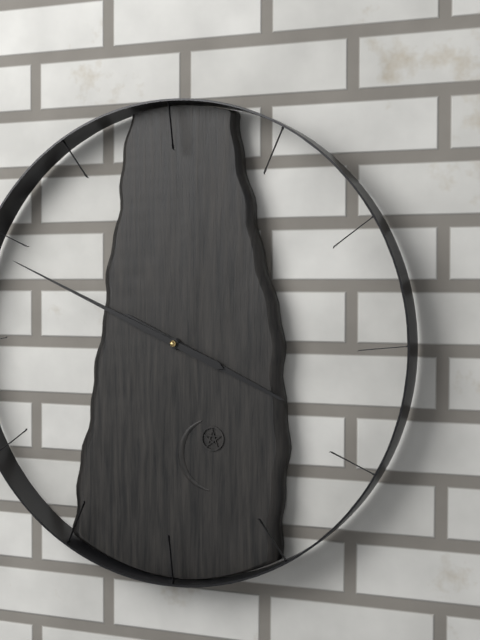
3:49
